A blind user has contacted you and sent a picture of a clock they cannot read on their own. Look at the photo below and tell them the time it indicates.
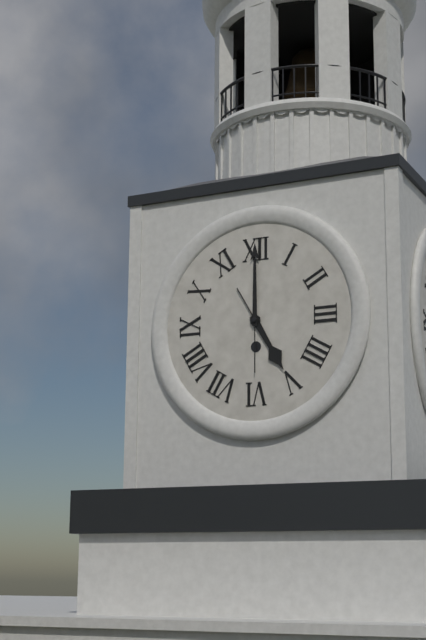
5:00
